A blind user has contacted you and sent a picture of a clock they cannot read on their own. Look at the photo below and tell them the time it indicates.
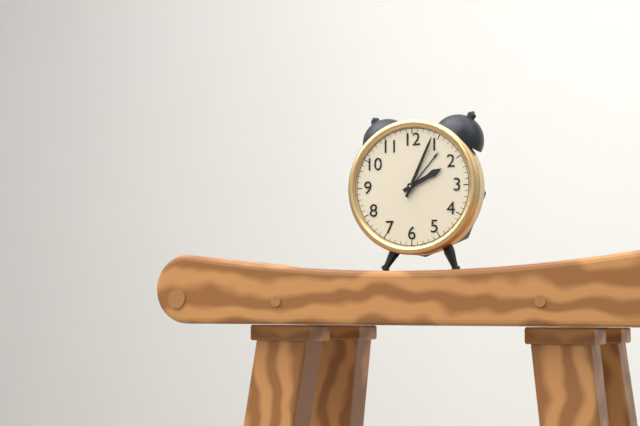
2:04
